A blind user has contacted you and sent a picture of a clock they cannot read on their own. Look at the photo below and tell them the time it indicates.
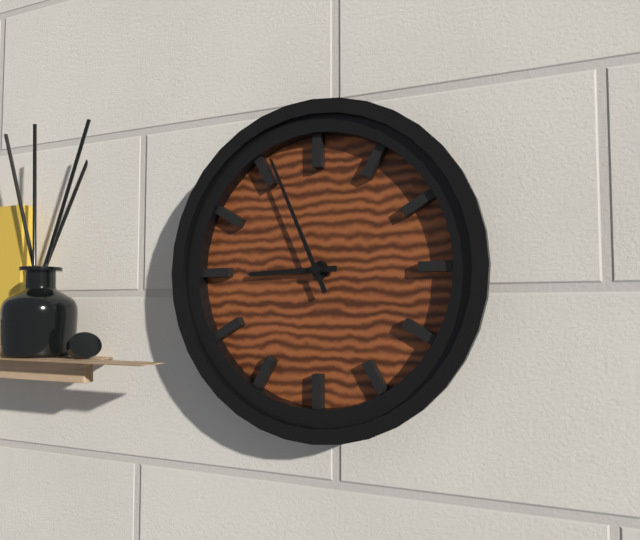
8:56
